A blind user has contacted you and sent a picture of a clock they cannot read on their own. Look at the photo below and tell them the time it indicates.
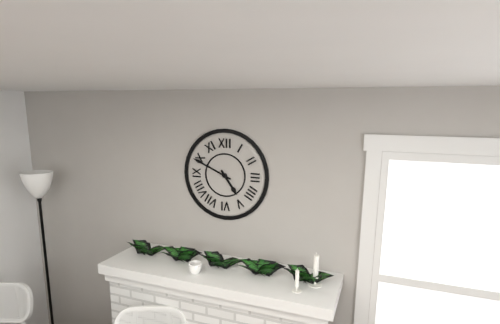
4:49
